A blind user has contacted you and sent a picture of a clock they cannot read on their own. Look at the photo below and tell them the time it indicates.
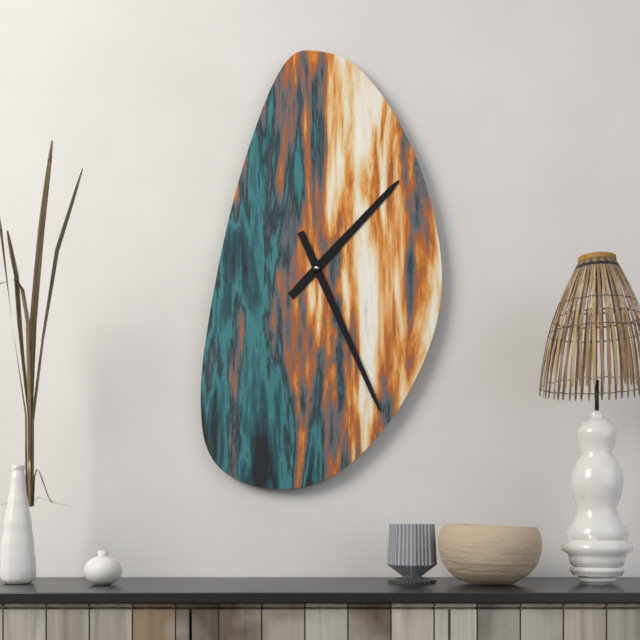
1:26
